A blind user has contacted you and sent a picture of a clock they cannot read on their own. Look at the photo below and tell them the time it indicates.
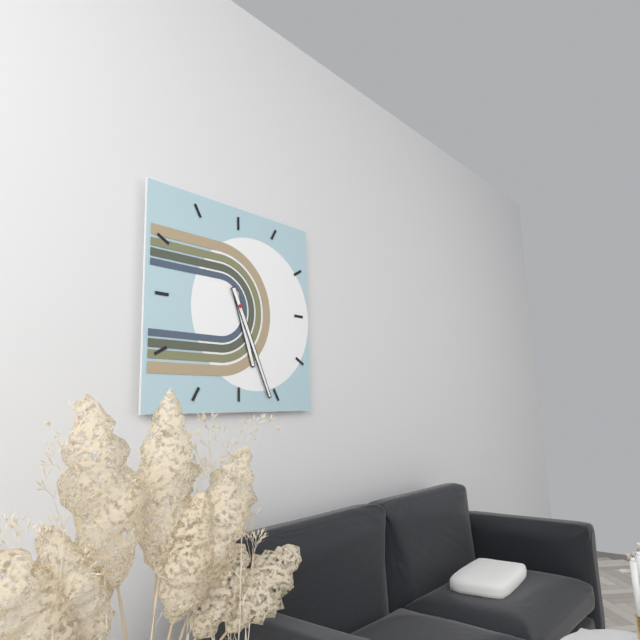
5:26
